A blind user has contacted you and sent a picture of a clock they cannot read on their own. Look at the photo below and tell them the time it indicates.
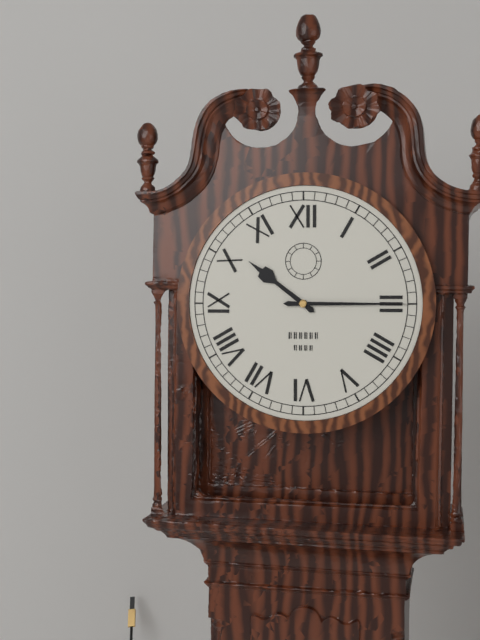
10:15
